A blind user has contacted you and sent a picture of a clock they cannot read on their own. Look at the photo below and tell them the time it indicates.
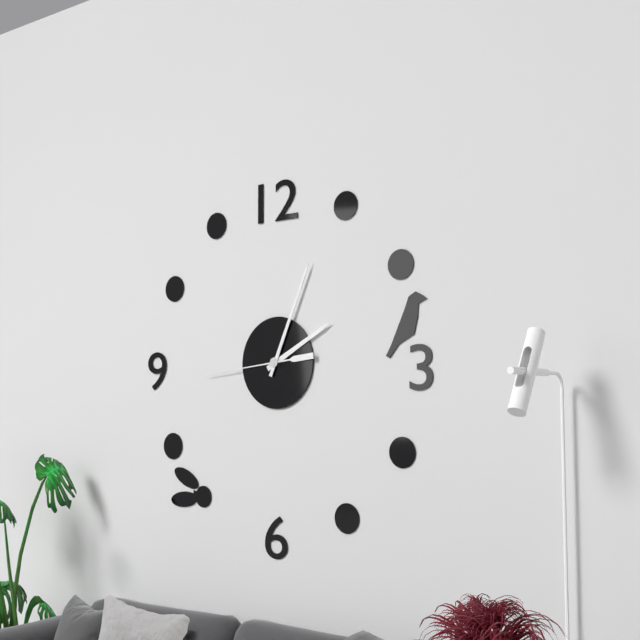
2:04:44
